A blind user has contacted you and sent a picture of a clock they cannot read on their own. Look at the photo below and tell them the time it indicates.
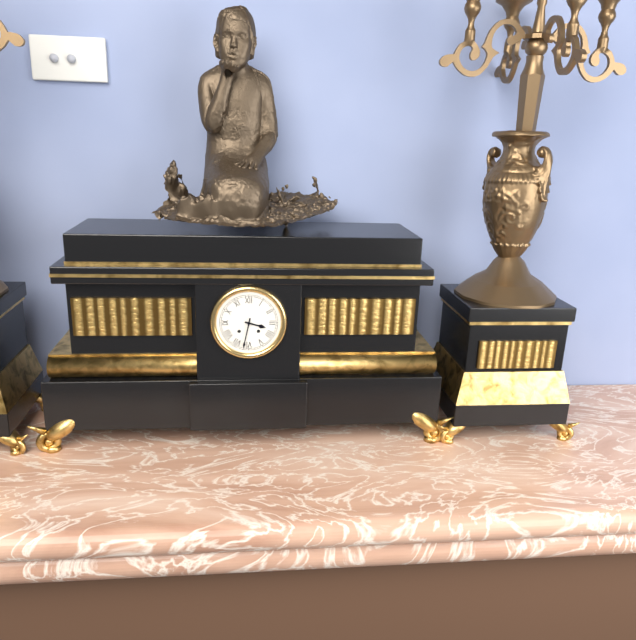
3:32
